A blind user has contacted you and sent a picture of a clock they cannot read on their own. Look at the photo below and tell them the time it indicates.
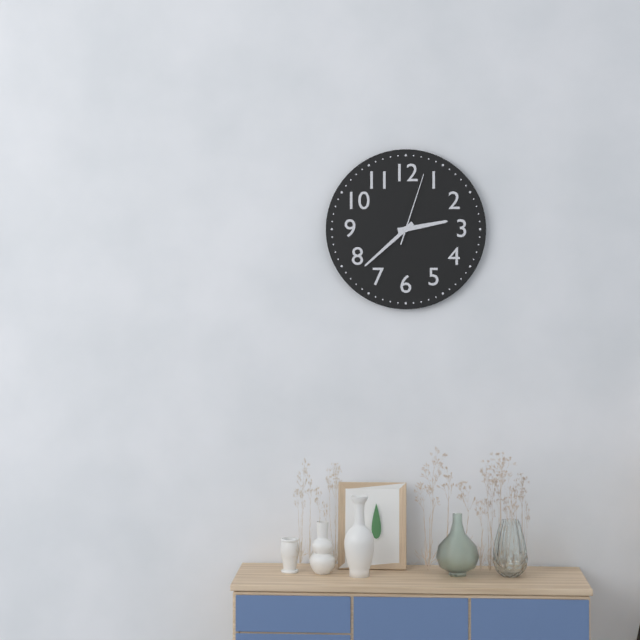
2:38:03
